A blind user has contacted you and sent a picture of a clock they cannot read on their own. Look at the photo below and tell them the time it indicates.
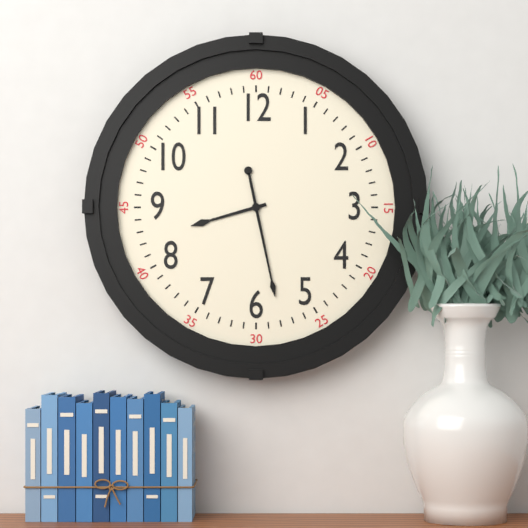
8:28
